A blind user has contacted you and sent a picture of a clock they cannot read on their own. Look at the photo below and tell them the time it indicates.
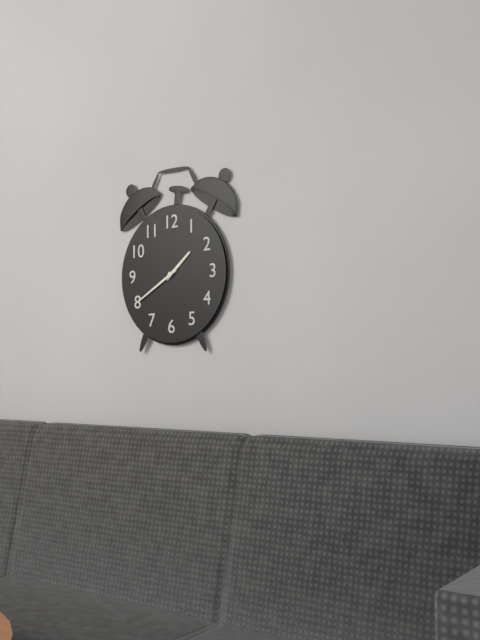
1:40
